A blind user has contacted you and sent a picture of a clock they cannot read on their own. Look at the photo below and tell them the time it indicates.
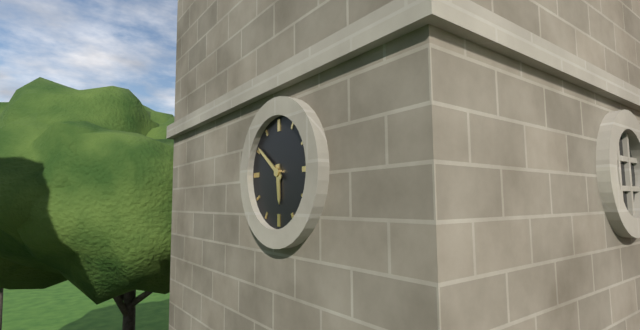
5:51
